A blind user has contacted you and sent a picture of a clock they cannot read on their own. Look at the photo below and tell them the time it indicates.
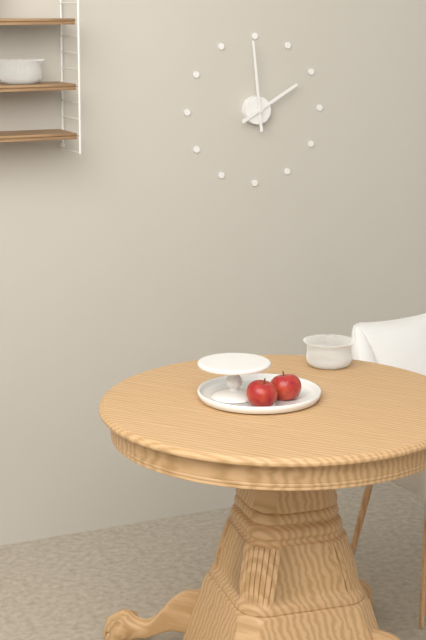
1:59
